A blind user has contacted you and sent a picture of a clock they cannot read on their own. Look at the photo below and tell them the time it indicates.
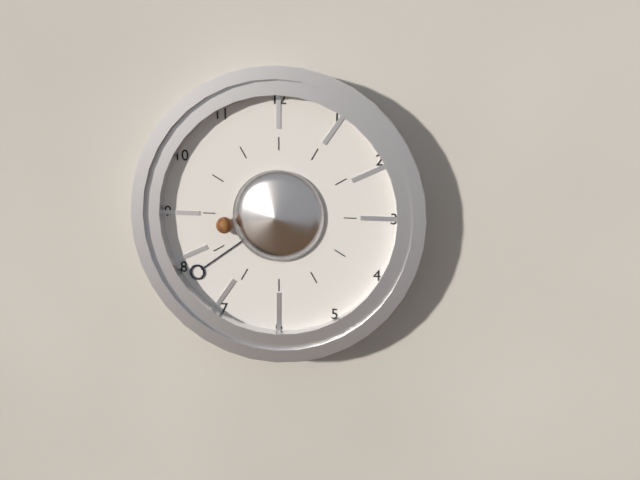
8:39
